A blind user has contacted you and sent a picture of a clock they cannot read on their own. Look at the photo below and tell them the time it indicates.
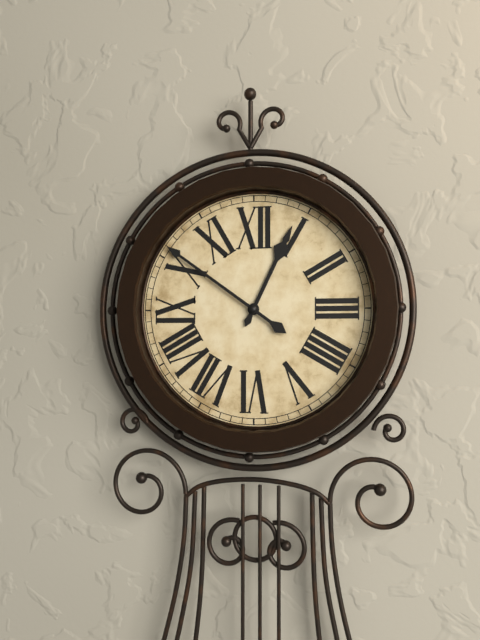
12:51
